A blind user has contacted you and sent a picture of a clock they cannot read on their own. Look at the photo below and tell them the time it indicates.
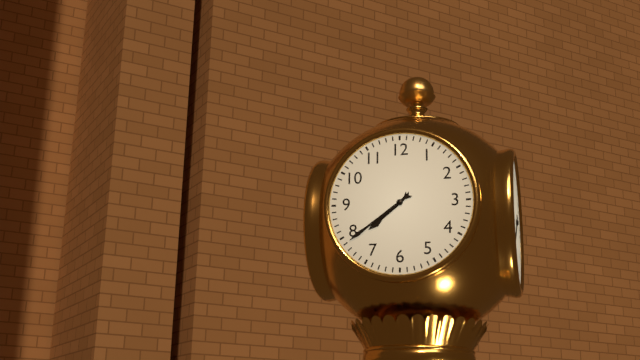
7:39
